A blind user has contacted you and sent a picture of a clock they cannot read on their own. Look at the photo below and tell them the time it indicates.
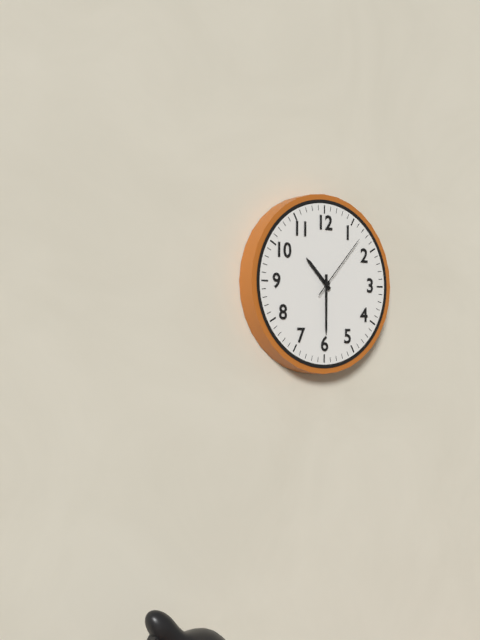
10:30:07
